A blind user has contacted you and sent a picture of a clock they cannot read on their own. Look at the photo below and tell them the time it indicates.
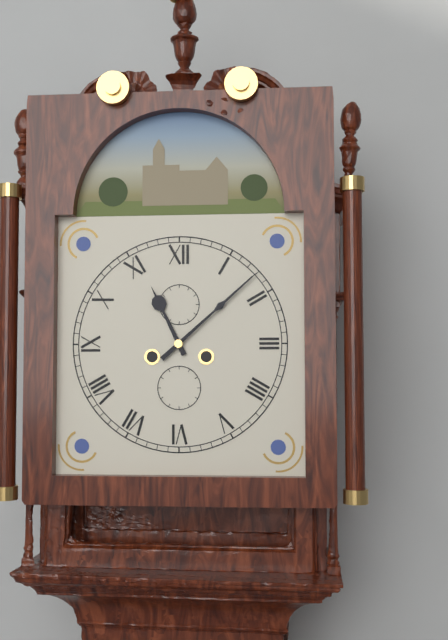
11:08
